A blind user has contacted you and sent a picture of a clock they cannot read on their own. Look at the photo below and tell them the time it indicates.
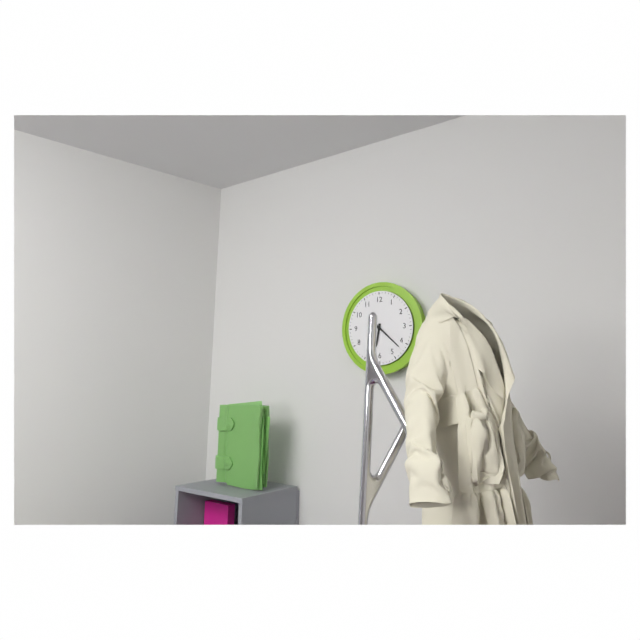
6:22
